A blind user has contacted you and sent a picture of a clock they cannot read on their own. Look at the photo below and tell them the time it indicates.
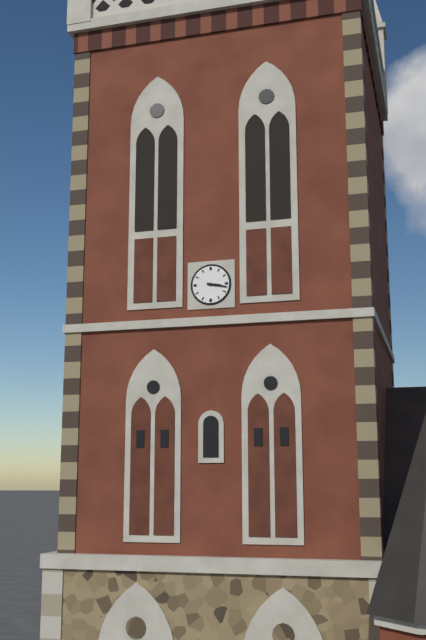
3:17
